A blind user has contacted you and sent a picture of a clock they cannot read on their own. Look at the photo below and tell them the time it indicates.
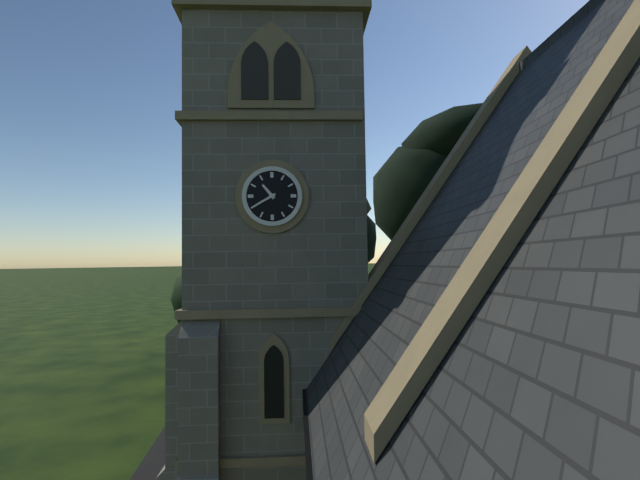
10:40
